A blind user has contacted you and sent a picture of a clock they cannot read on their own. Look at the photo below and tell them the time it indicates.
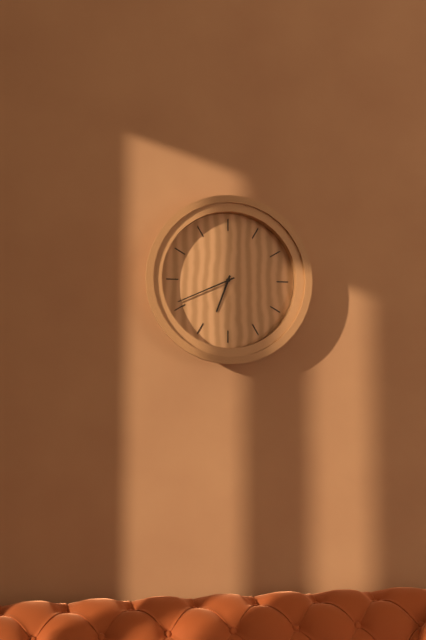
6:41
